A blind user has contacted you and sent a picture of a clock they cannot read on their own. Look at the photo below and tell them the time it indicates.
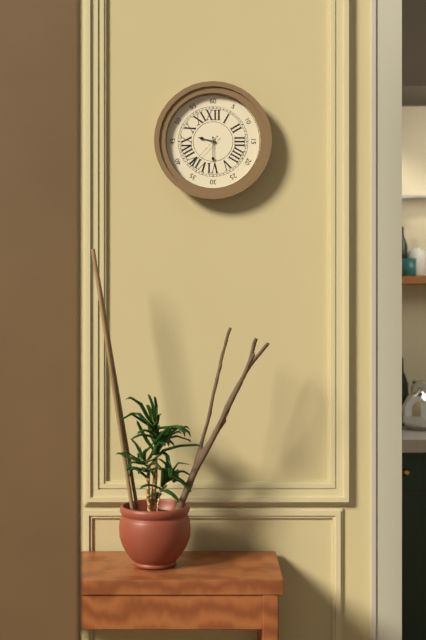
9:30
